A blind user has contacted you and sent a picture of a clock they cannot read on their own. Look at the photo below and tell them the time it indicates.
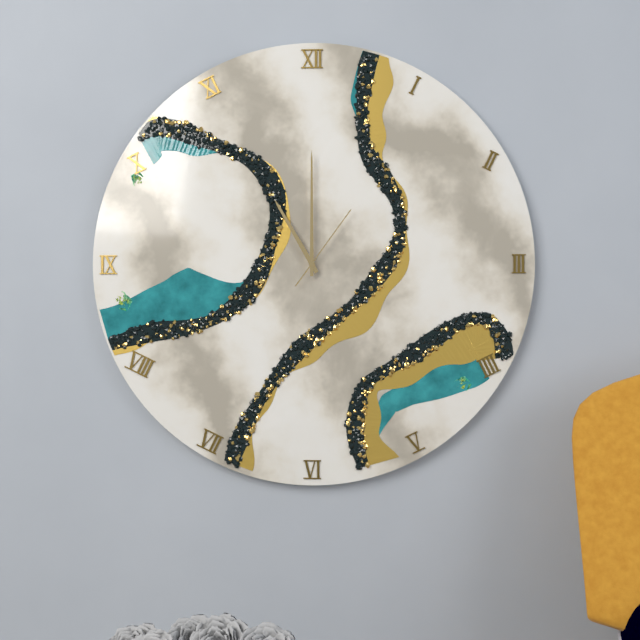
11:00:06
